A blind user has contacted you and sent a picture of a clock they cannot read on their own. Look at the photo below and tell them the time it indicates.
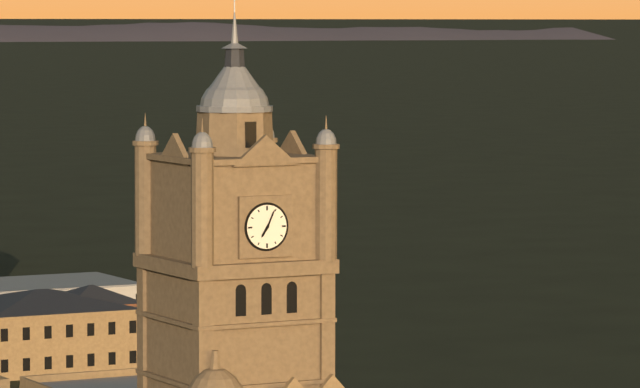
7:04
